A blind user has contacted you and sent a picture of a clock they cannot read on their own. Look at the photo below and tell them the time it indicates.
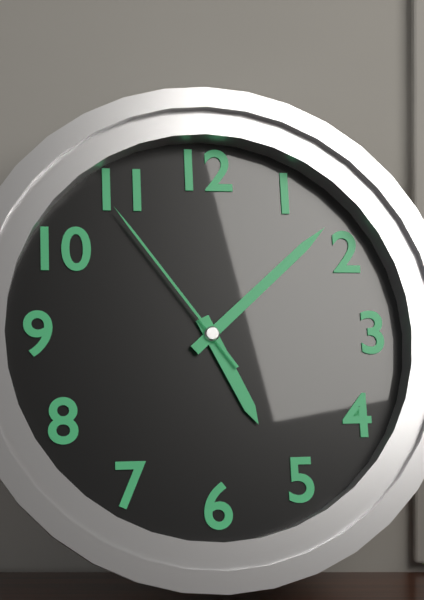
5:08:54
